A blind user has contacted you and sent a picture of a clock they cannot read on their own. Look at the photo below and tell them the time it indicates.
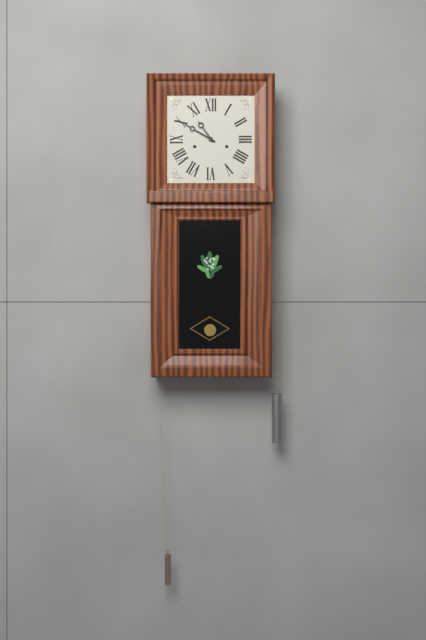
10:50
